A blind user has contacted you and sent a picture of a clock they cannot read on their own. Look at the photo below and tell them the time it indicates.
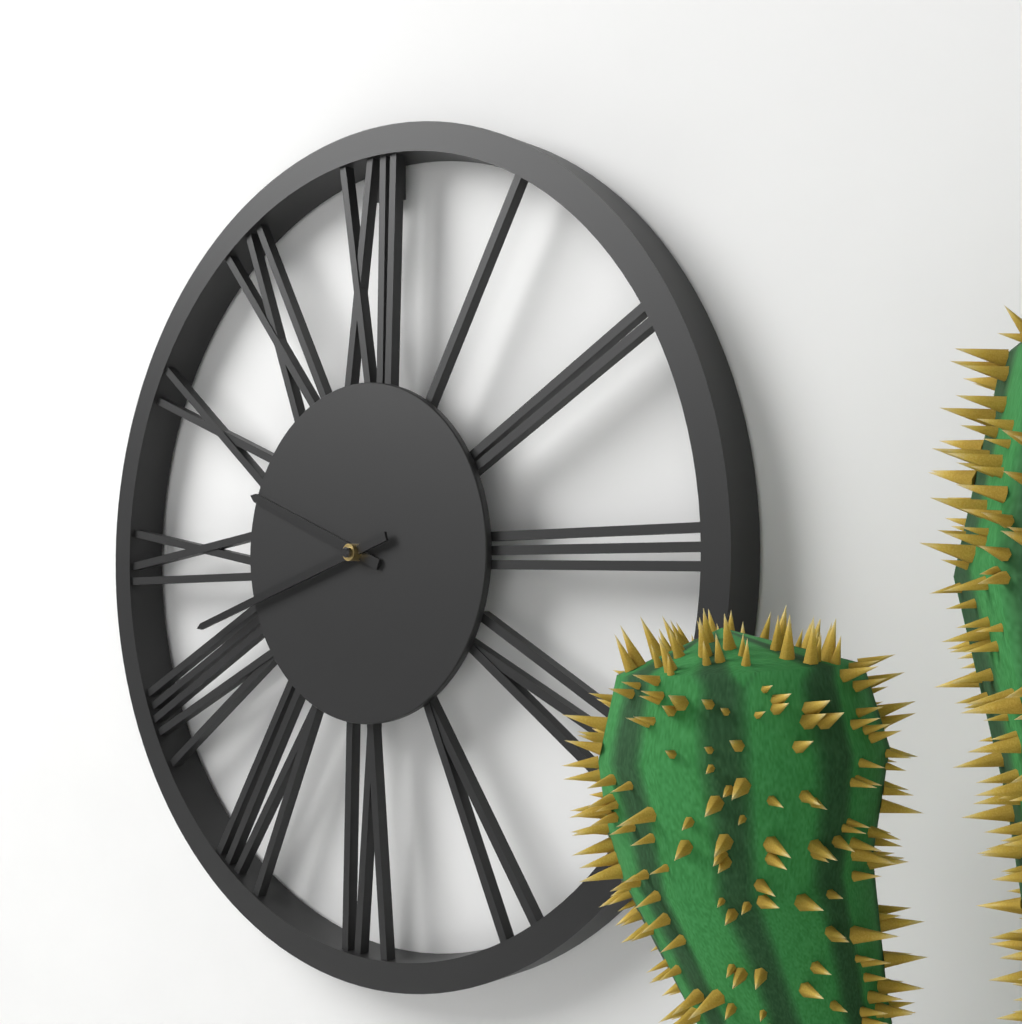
9:42
